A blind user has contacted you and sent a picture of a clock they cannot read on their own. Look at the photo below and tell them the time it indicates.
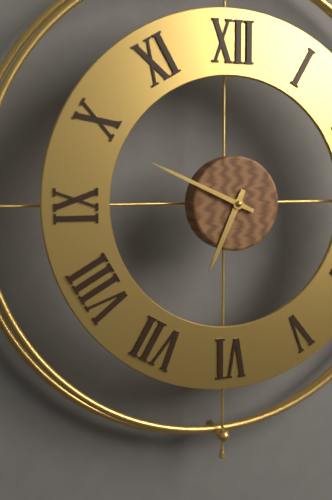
6:49
